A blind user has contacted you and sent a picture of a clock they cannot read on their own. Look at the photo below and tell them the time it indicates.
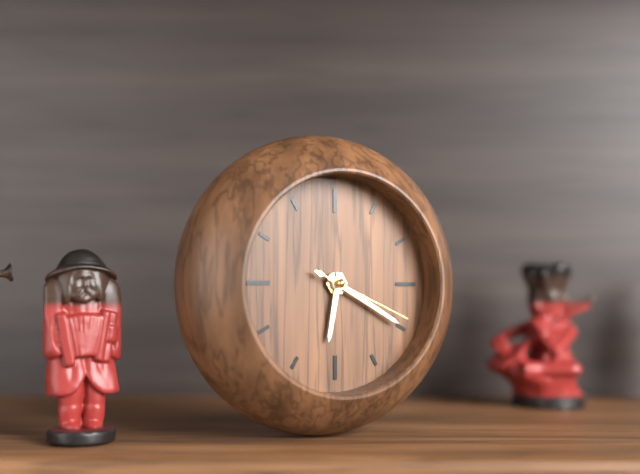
6:20:19
